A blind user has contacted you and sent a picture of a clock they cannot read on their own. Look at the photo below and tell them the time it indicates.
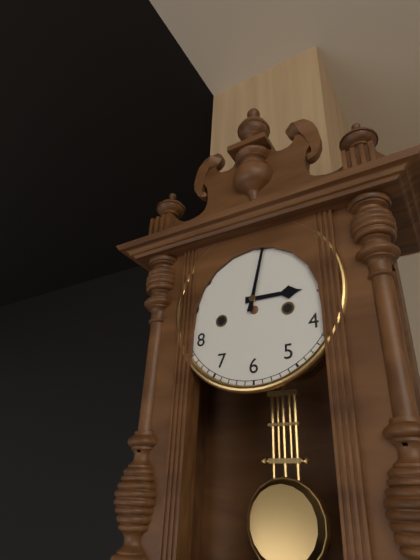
3:02
